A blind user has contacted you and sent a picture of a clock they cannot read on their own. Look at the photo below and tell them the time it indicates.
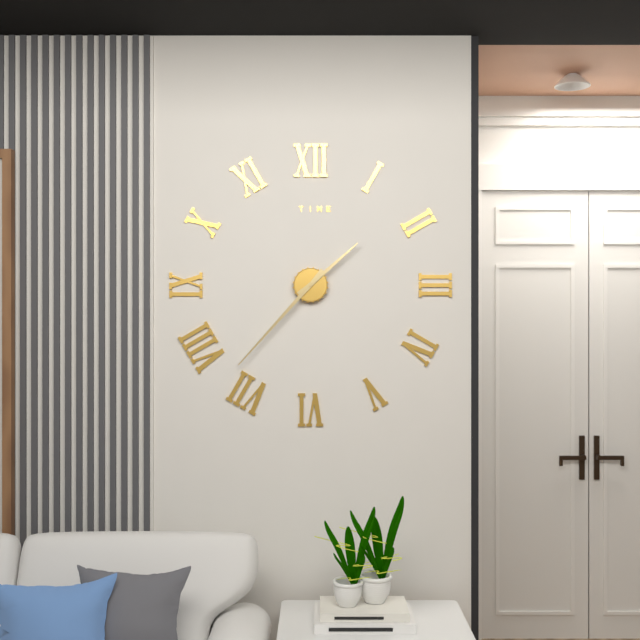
1:37
